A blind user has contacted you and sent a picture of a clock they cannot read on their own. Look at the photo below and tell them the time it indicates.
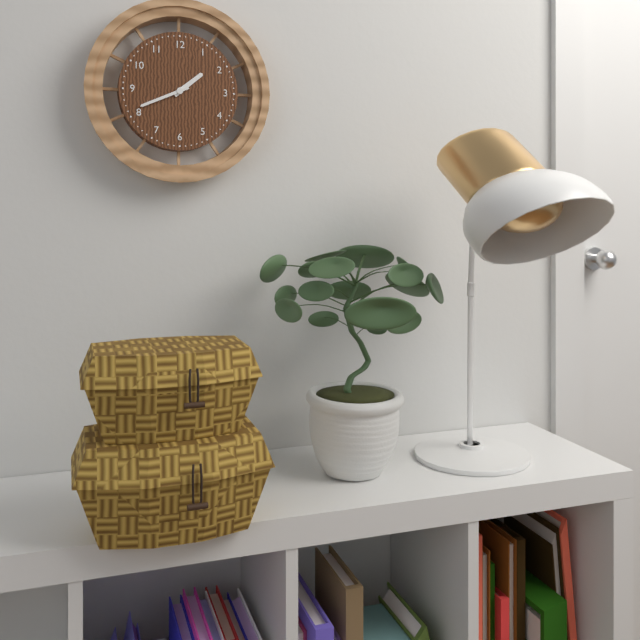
1:41
